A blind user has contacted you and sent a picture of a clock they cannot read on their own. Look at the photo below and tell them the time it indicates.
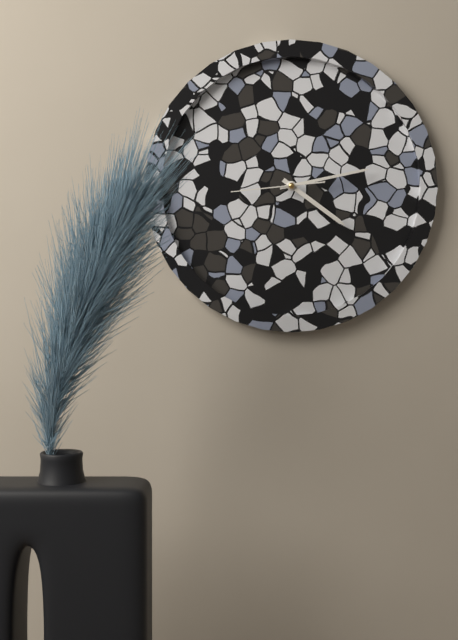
4:13:44
